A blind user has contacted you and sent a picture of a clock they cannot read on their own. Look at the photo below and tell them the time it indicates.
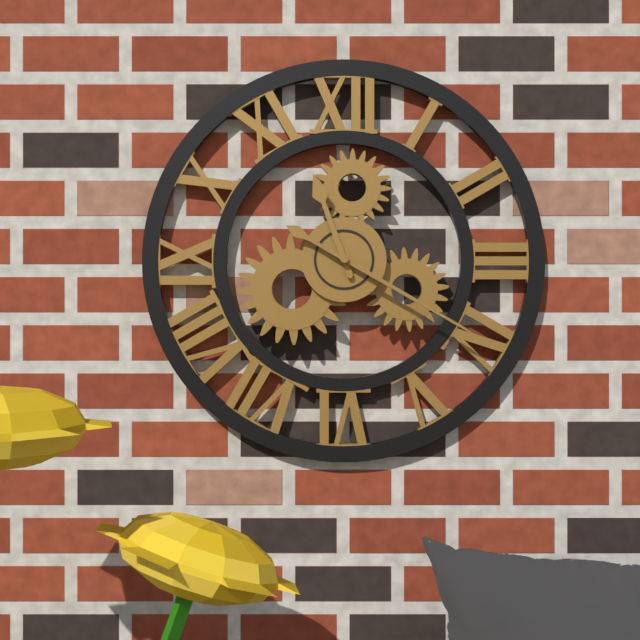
11:20
